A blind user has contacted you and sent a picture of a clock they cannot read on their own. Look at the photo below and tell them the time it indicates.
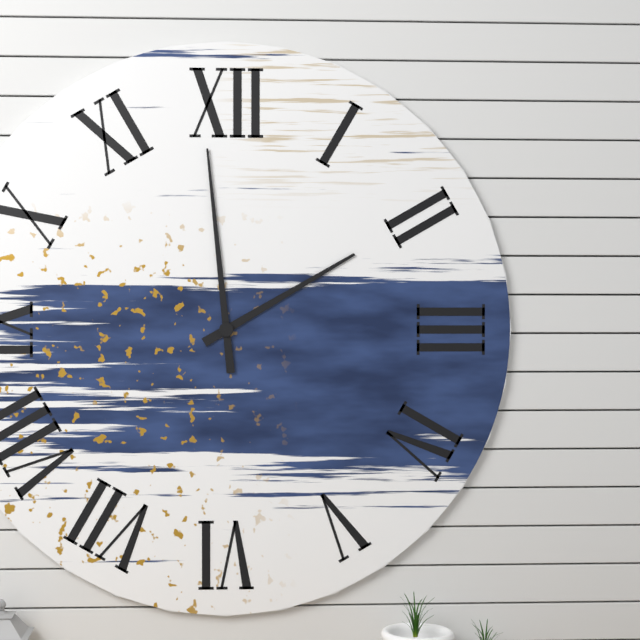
1:59
